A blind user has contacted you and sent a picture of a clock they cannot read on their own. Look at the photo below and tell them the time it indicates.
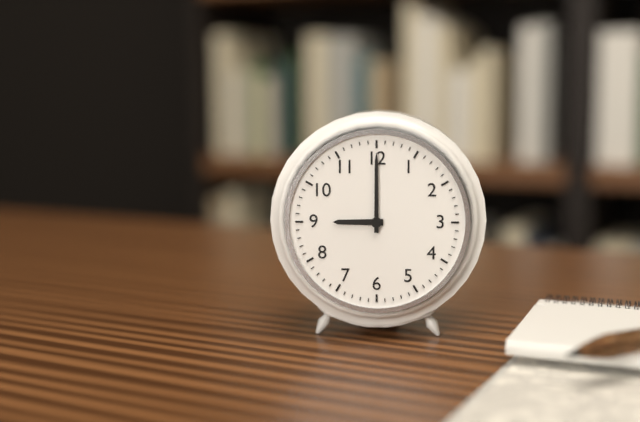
9:00
